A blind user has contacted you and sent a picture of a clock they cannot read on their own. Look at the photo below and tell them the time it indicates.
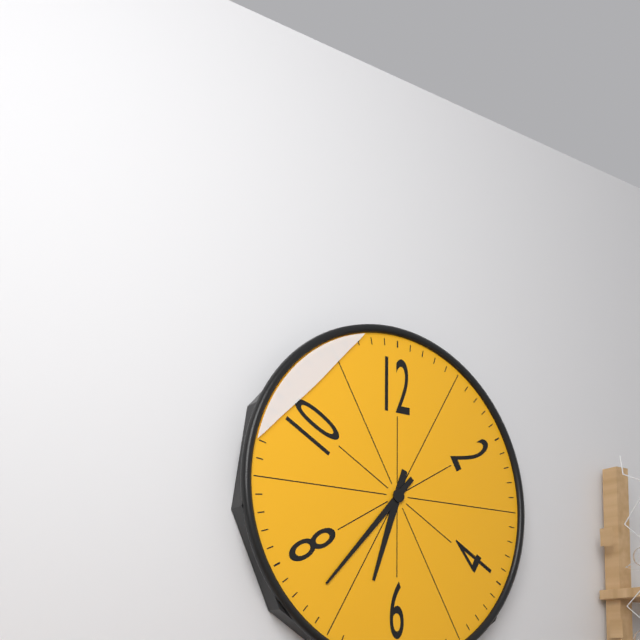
6:37
